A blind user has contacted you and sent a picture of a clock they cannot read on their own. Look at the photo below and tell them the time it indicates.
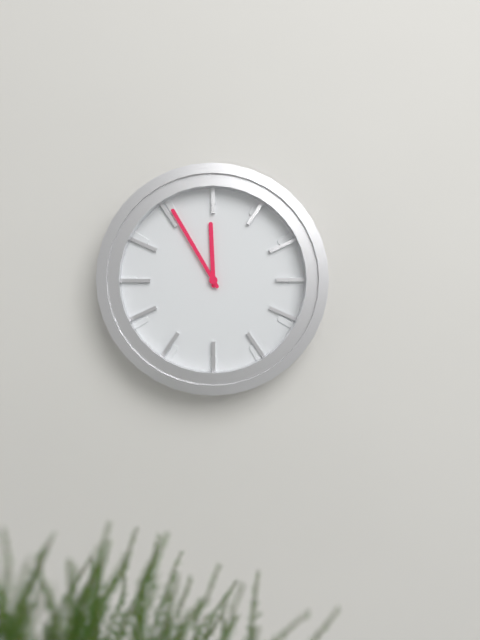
11:55
